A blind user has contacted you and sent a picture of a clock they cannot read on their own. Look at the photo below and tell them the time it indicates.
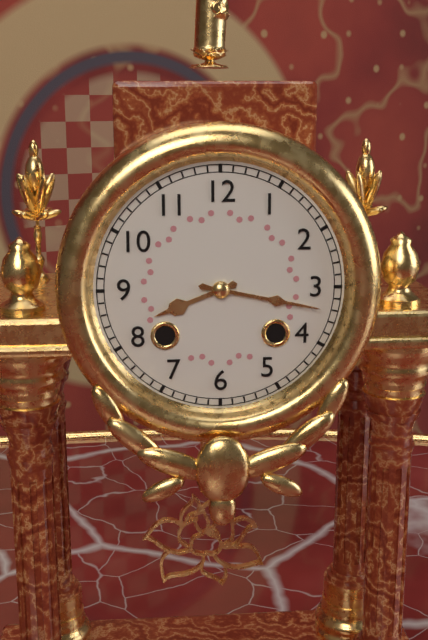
8:17
